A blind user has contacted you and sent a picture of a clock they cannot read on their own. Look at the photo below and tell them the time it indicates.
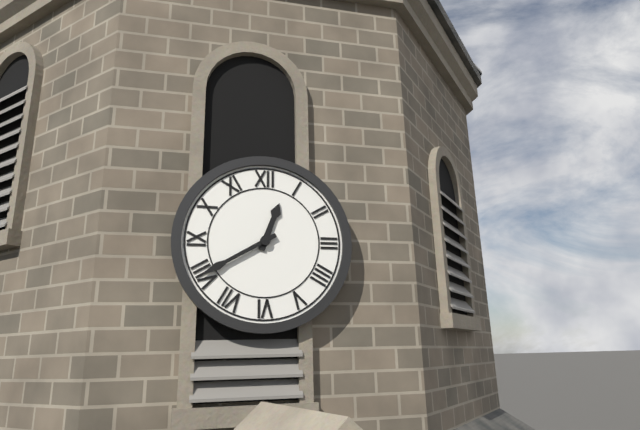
12:40
